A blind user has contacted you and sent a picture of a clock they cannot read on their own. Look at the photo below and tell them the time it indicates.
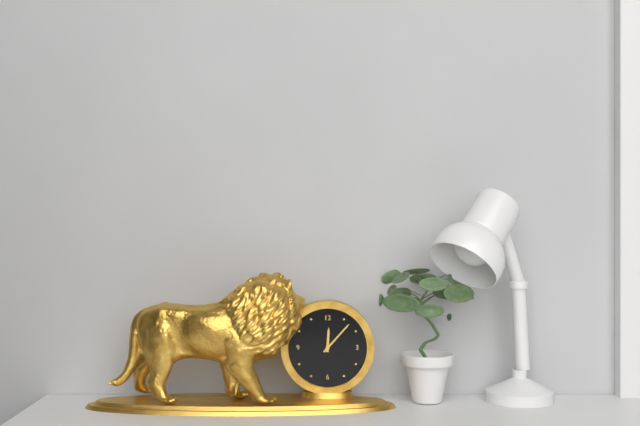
12:07
